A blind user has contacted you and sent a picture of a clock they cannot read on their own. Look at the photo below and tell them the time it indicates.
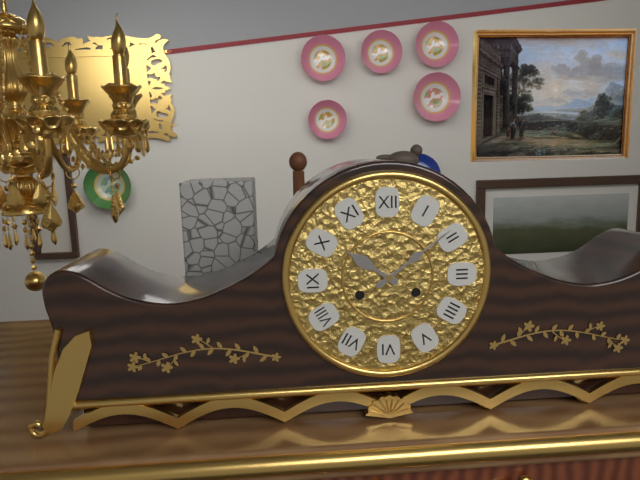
10:09
